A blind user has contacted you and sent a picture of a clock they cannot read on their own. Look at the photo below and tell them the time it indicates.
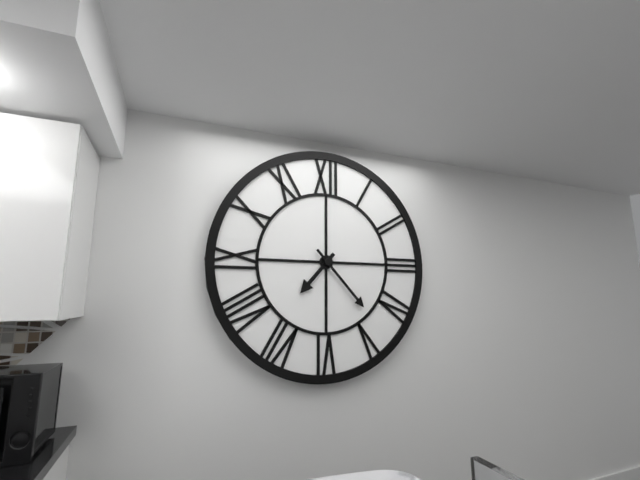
7:23
